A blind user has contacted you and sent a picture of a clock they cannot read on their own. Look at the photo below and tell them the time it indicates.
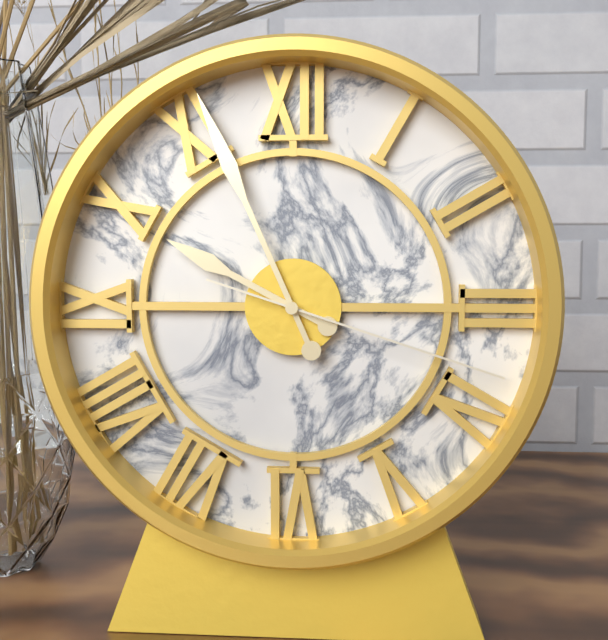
9:56:18
